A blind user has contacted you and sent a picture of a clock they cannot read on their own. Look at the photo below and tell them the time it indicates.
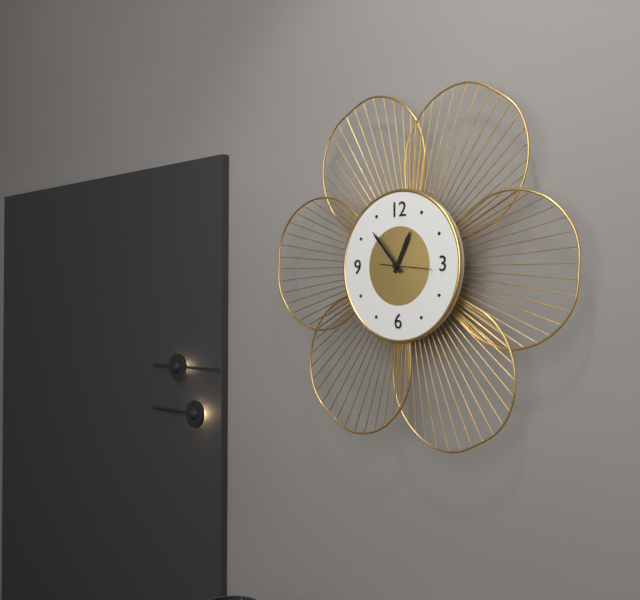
12:53
